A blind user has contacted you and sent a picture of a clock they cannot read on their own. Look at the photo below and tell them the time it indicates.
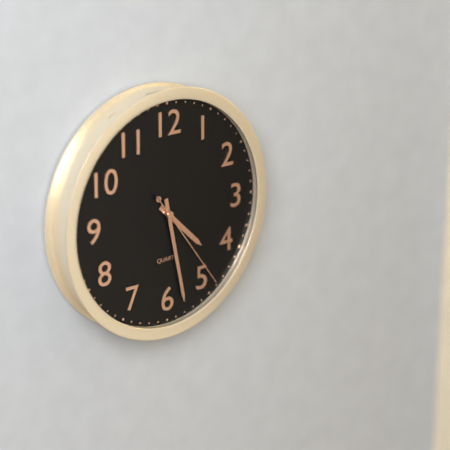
4:28:24
